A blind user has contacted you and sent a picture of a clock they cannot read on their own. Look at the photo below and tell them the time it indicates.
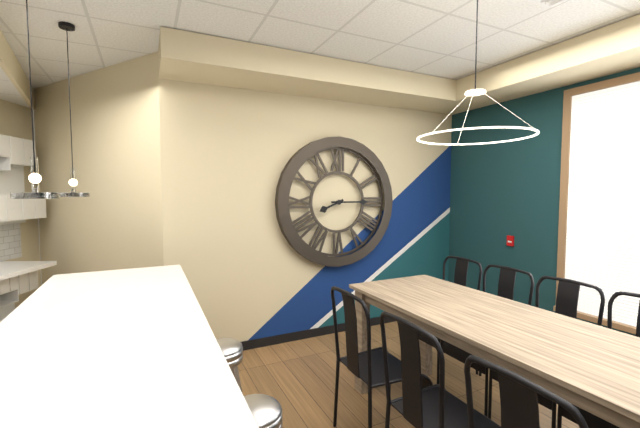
8:15
